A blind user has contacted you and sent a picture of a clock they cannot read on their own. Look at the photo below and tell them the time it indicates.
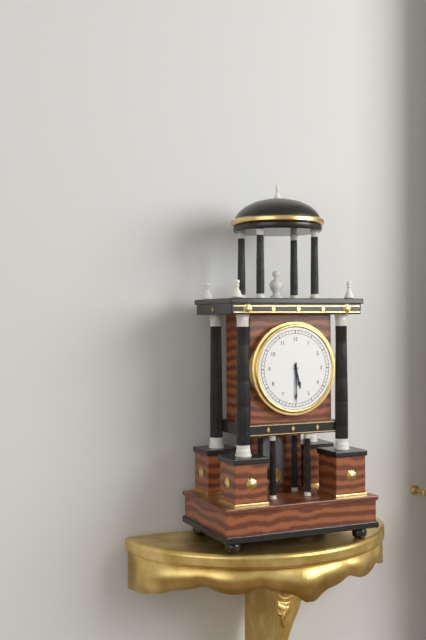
5:30
